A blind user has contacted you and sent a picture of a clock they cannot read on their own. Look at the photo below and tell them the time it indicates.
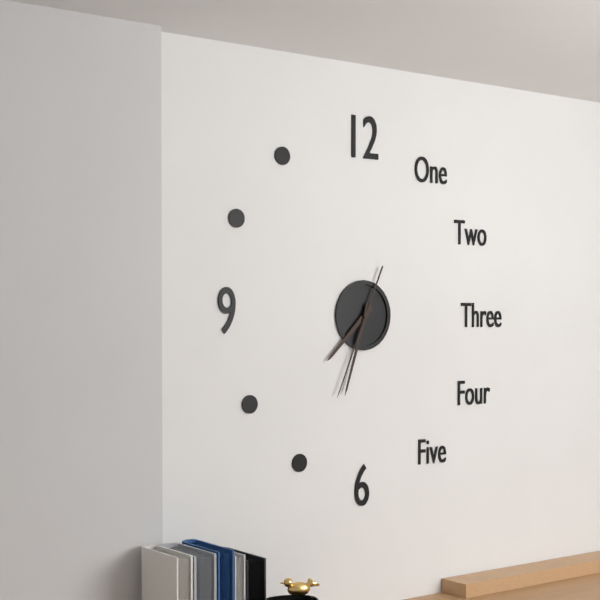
7:33:34
